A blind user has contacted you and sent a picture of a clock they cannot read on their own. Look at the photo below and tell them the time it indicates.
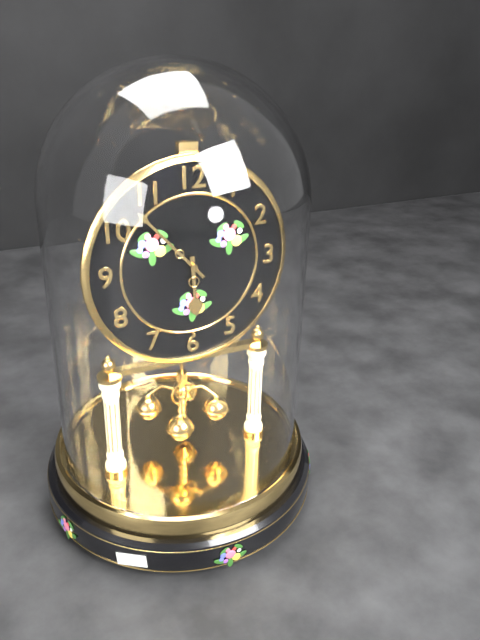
5:53
